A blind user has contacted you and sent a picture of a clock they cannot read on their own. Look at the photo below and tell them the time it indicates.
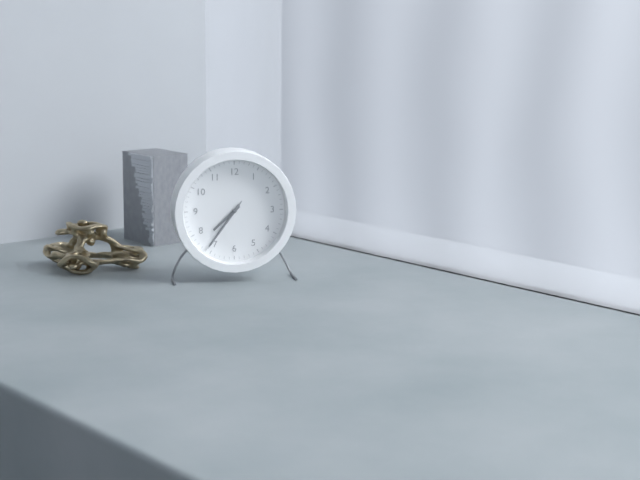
7:36:36
